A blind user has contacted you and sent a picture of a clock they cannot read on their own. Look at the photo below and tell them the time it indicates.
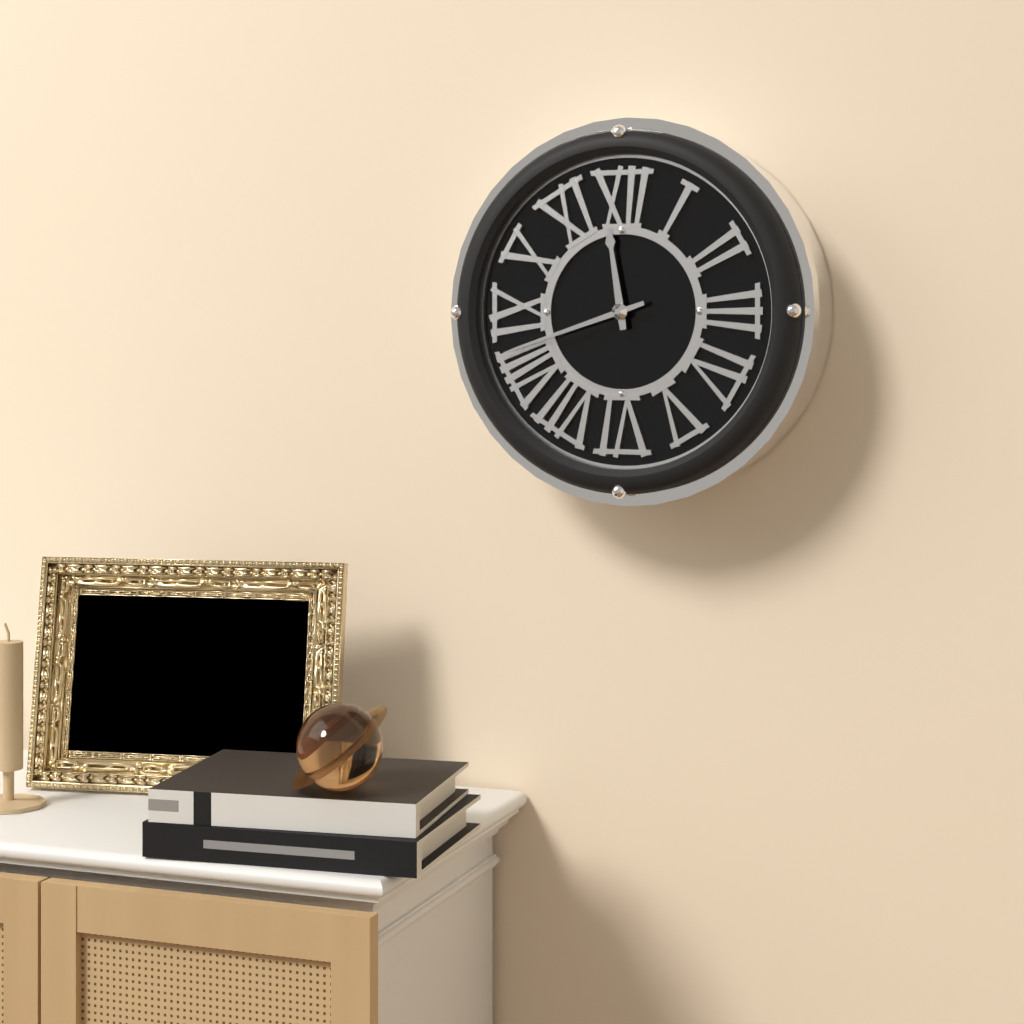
11:42
